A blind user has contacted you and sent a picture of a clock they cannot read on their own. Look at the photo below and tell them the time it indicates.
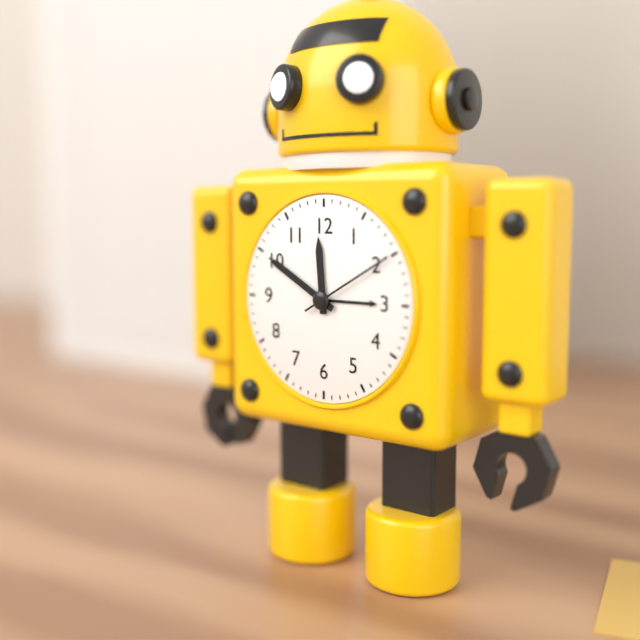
11:50:10
